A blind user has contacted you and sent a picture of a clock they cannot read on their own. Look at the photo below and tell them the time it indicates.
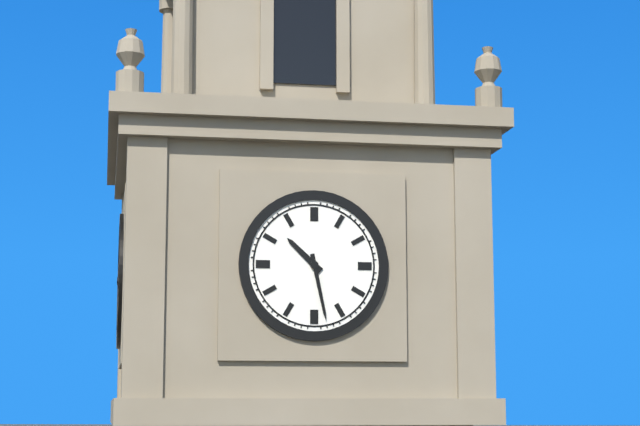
10:28
